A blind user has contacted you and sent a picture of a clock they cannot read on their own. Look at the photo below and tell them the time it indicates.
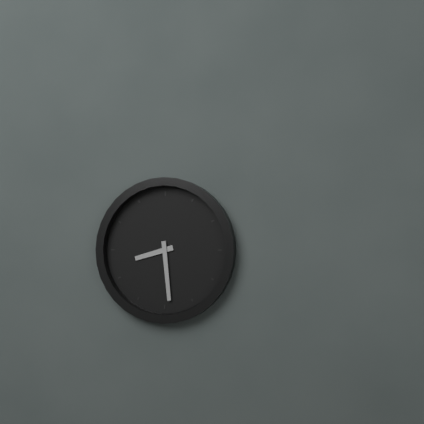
8:29
